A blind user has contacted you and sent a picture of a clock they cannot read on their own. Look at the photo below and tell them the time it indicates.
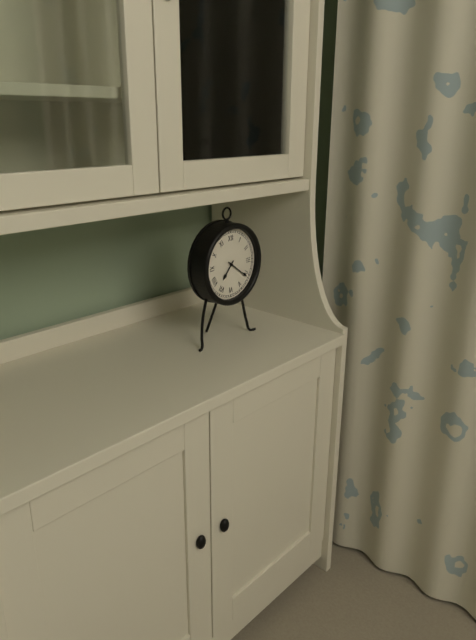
7:21
